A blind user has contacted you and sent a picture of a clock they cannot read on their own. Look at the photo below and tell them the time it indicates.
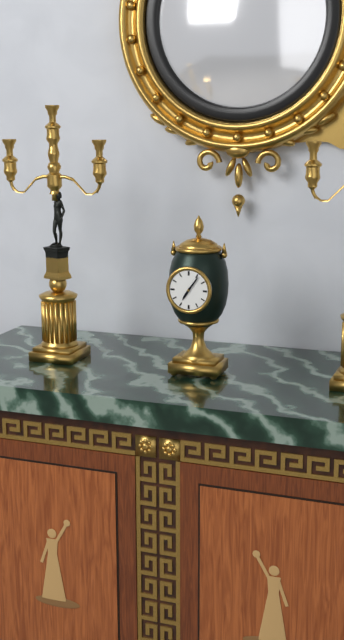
7:06
